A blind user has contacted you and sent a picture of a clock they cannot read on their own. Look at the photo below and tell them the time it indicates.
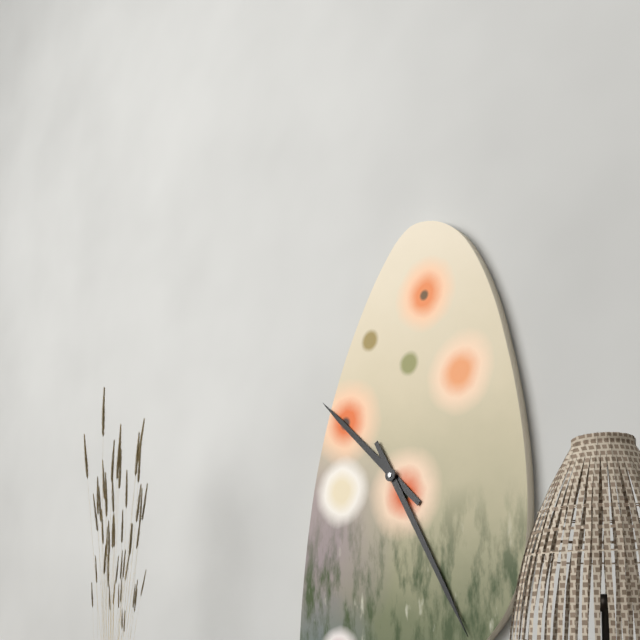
10:25
